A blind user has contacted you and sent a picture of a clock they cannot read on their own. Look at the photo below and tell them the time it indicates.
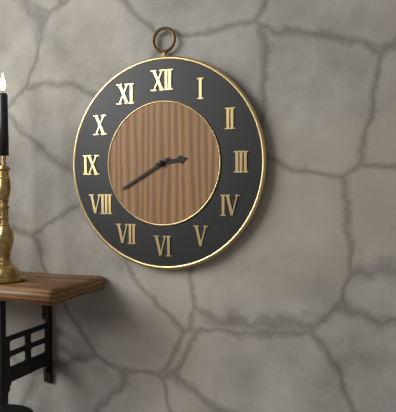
2:40
